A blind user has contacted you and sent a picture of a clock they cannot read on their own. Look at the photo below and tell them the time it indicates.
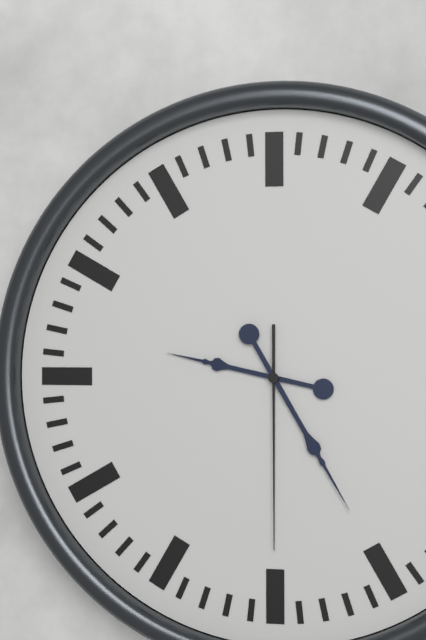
9:25:30
